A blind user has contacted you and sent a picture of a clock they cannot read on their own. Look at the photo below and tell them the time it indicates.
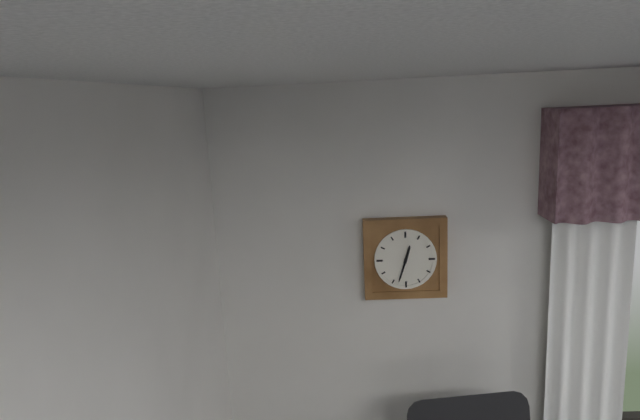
12:33
